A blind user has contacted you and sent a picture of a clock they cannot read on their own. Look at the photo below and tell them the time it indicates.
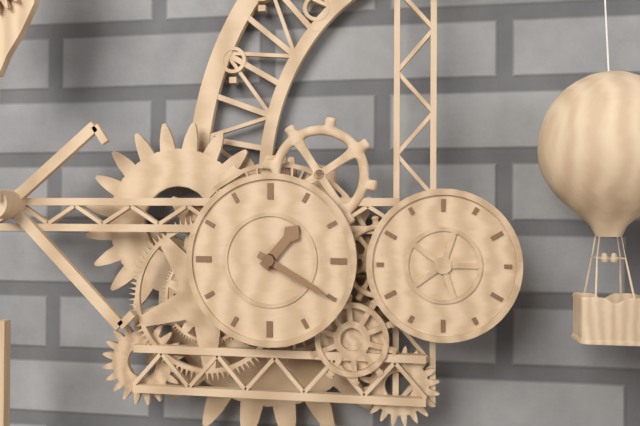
1:20
